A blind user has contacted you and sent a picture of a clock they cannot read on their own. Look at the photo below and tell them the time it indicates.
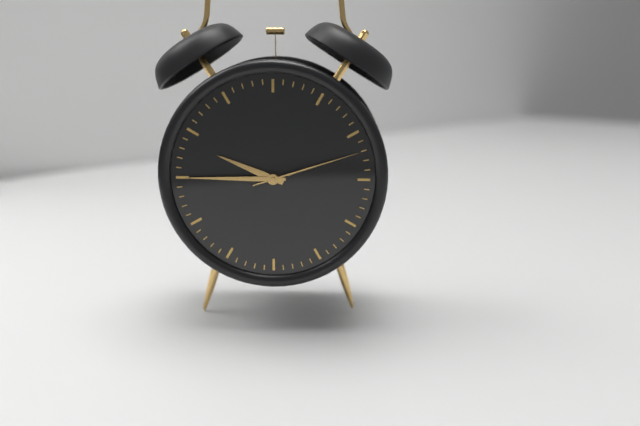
9:45:12
